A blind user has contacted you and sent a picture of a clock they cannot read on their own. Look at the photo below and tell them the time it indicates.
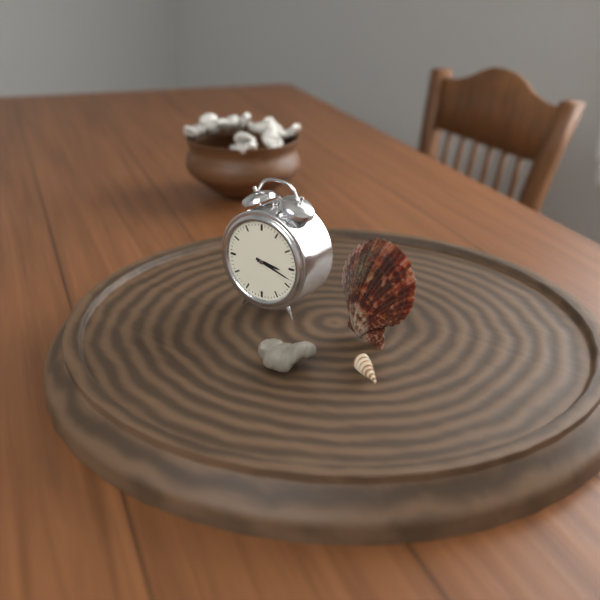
3:18
